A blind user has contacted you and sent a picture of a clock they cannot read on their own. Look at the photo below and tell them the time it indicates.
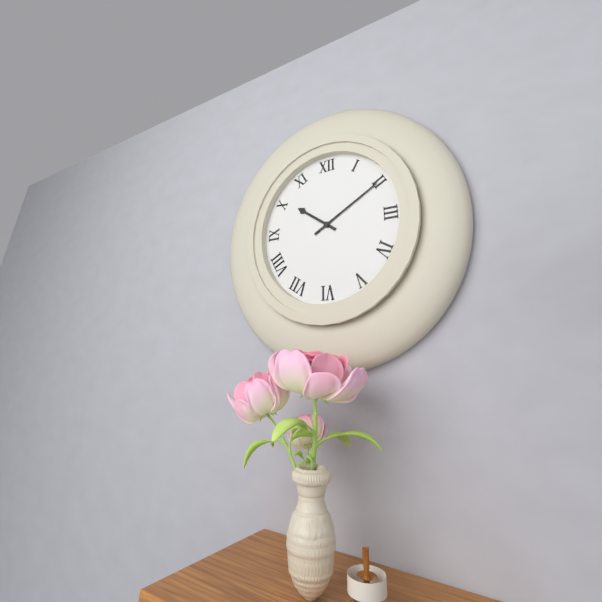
10:10
